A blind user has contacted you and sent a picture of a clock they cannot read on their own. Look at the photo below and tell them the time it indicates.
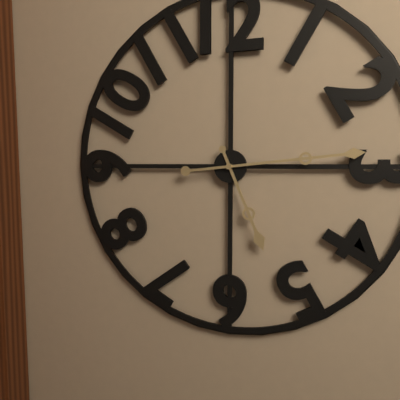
5:14
